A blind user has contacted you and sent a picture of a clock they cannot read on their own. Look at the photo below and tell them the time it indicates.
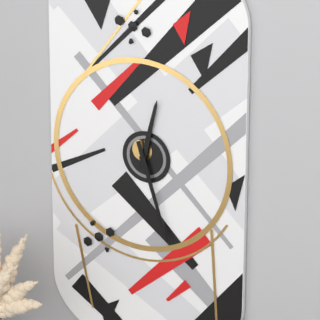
12:27
